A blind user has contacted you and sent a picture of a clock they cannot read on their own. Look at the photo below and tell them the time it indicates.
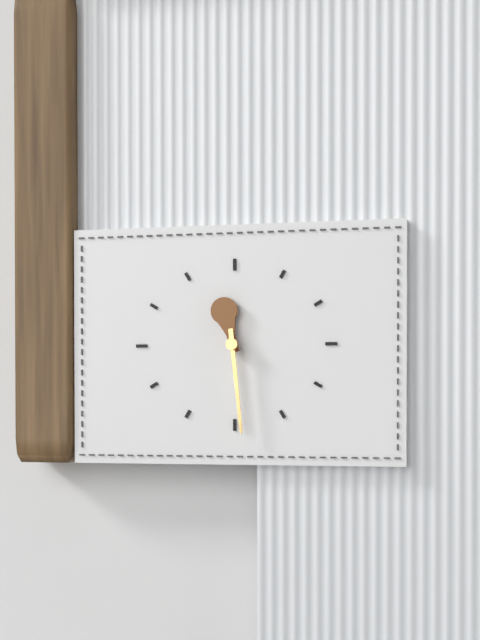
11:29
